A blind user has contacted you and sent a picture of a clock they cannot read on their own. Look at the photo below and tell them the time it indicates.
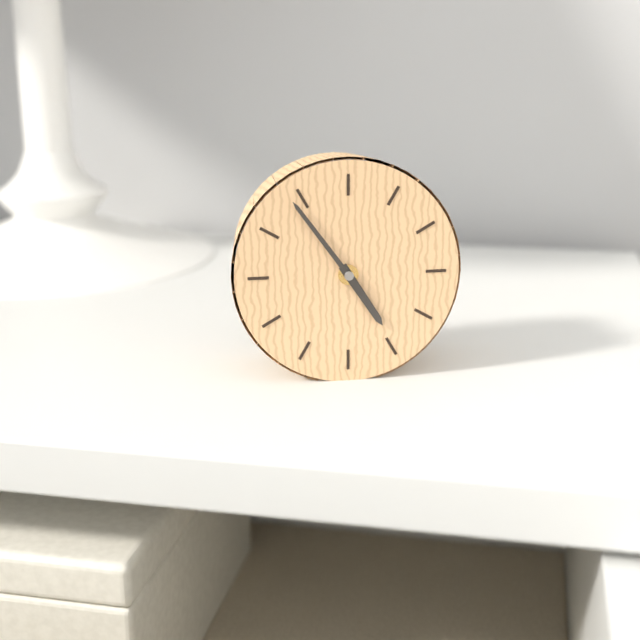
4:54
